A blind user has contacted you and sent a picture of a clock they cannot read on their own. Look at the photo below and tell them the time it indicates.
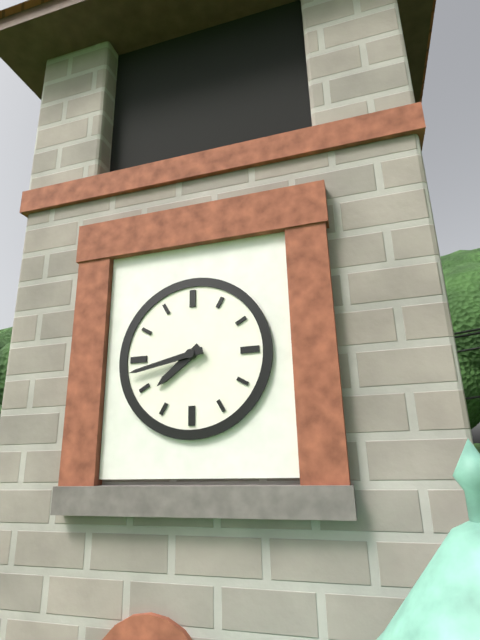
7:43
